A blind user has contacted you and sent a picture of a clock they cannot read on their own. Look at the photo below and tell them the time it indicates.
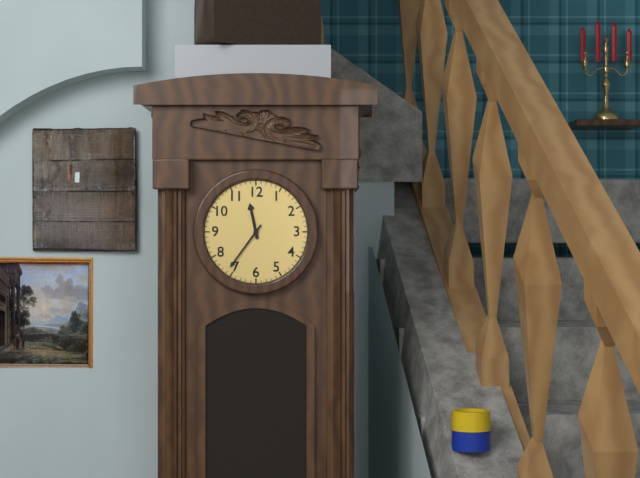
11:36
